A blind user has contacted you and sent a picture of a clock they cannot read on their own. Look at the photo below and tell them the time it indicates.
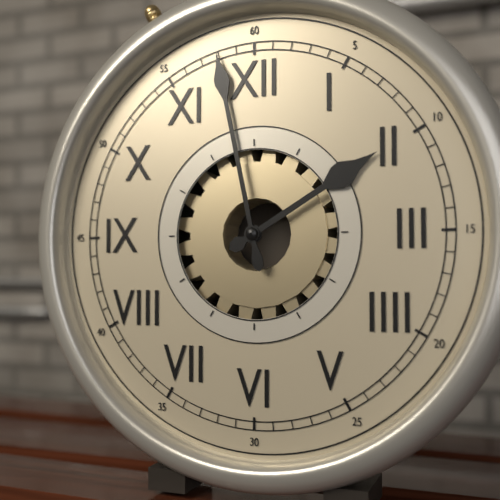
1:58
